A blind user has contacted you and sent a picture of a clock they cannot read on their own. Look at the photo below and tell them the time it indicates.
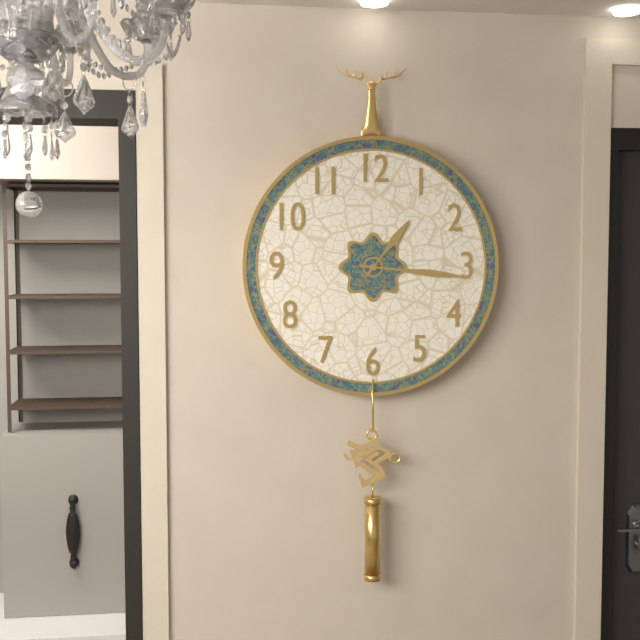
1:16
